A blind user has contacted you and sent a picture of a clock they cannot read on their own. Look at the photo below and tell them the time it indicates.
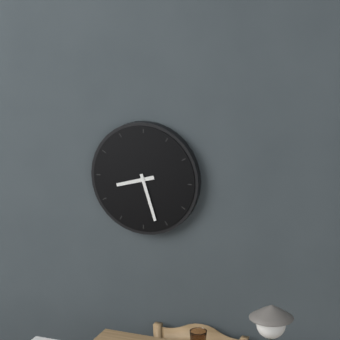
8:27
